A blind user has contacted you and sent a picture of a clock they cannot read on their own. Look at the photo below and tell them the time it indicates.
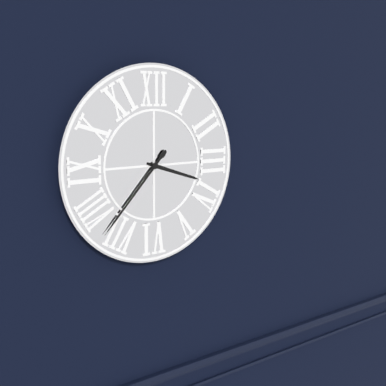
3:37
